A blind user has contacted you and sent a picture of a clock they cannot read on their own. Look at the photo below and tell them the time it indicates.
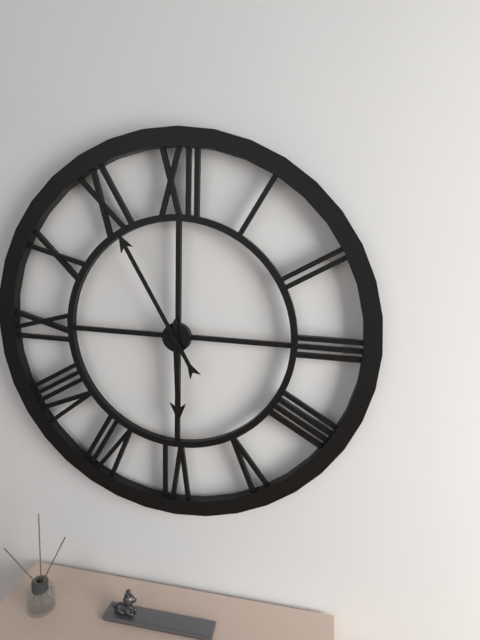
5:55
